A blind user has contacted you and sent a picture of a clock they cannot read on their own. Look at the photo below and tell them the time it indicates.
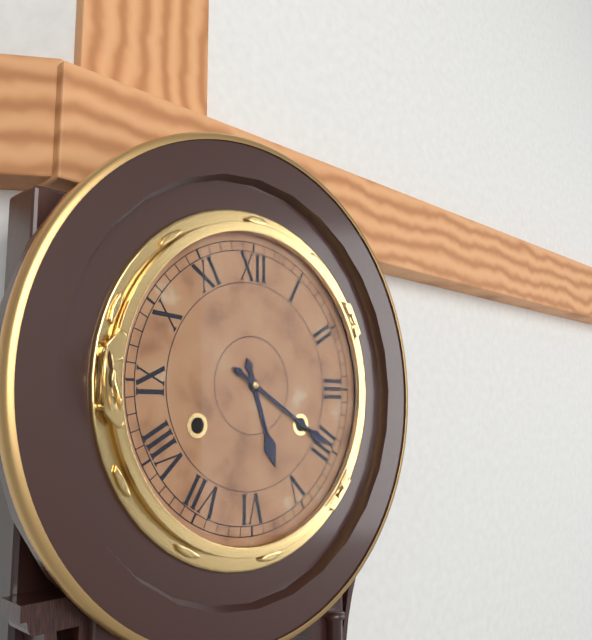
5:20
